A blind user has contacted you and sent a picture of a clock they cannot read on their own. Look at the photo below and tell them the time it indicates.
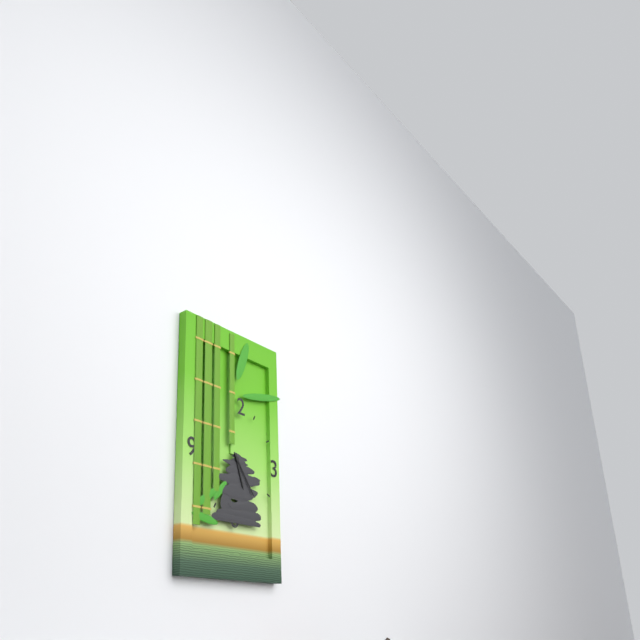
5:24
